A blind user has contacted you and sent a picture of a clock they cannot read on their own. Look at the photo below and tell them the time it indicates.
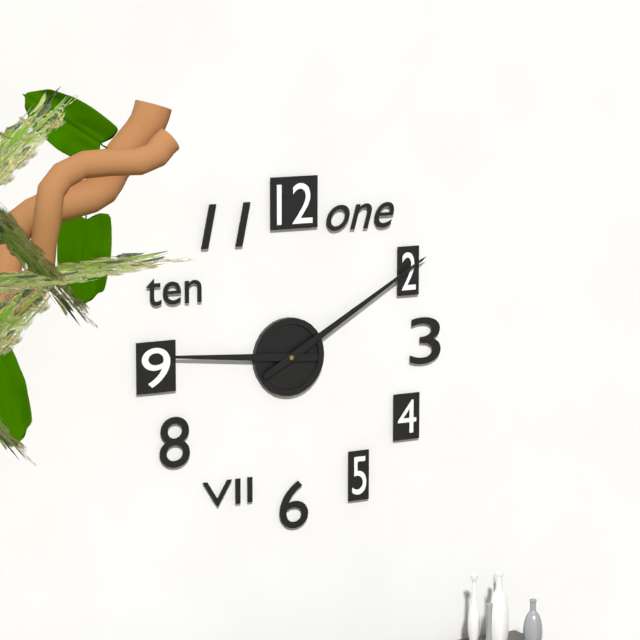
9:10
